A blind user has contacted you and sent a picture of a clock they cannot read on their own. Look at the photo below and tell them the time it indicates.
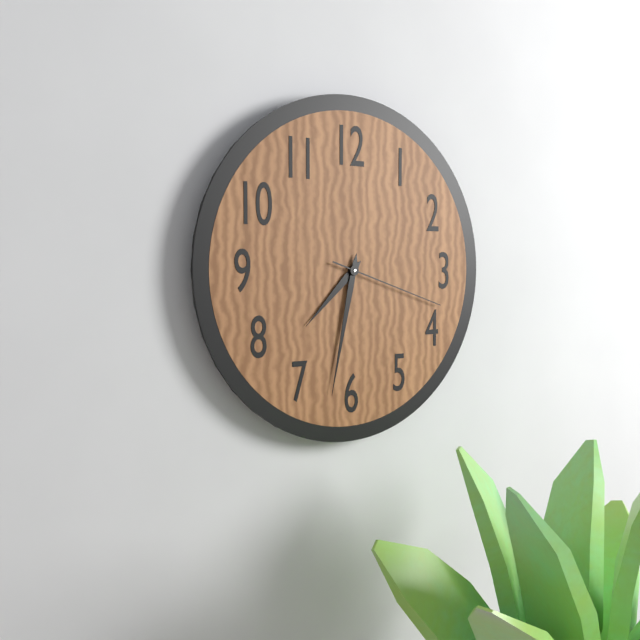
7:32:18
